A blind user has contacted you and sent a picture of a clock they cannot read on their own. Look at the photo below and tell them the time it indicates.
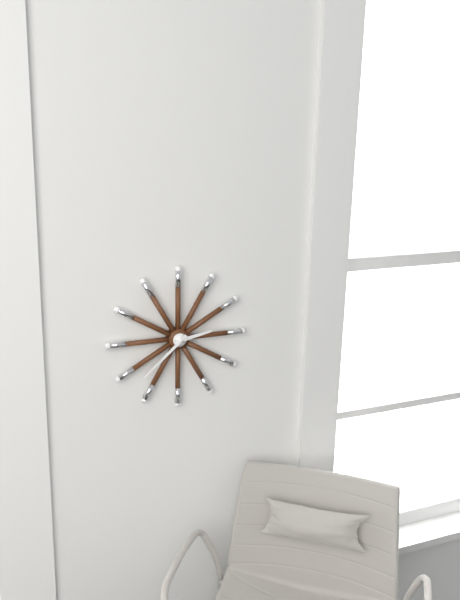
2:38
